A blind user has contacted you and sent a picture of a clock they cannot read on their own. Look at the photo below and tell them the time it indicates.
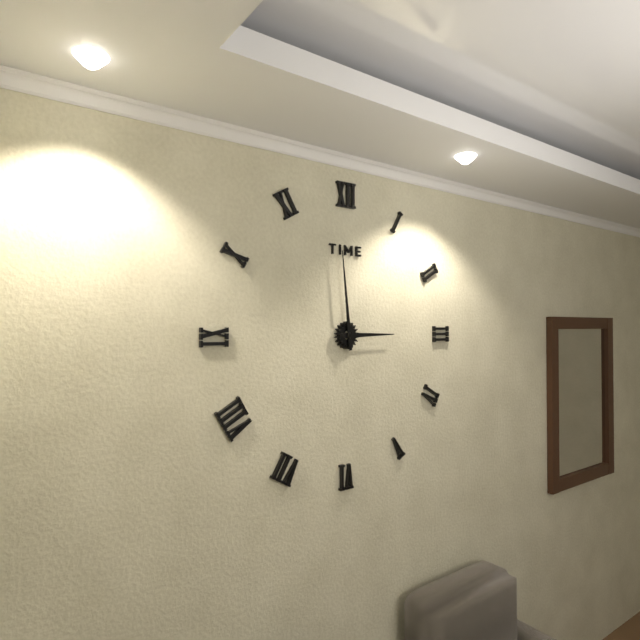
2:59
